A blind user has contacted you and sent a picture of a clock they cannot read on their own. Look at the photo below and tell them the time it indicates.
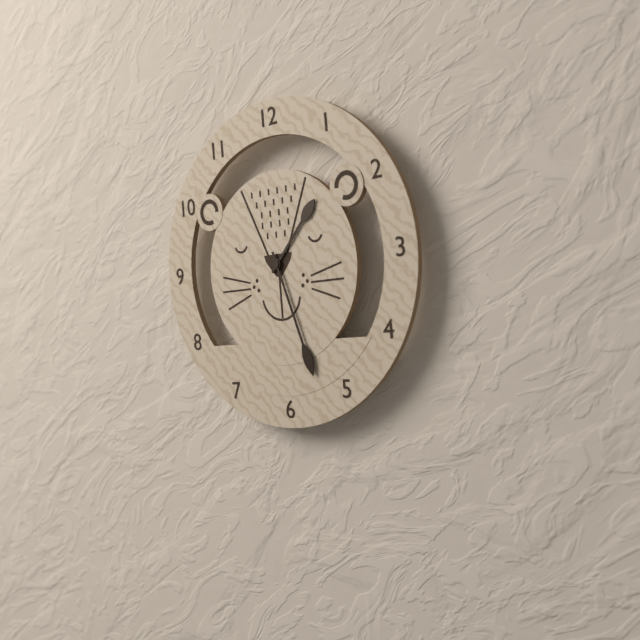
1:27
